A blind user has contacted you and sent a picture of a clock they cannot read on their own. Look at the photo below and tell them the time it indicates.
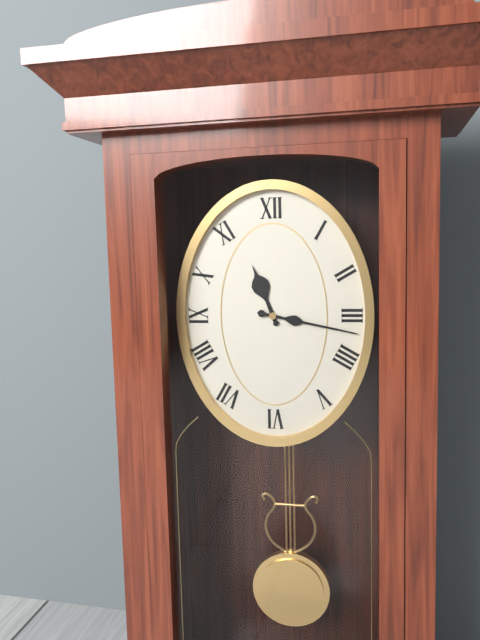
11:17
